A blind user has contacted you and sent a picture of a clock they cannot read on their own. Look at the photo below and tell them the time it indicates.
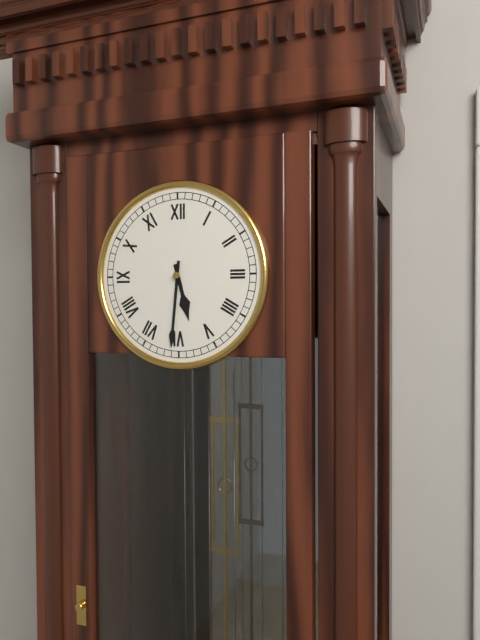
5:31
